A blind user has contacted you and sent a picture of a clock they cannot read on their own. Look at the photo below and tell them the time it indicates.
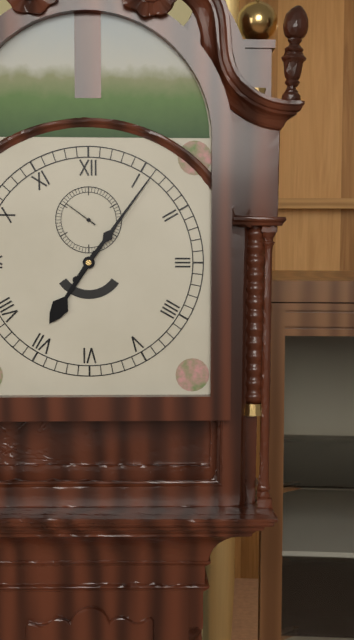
7:06
